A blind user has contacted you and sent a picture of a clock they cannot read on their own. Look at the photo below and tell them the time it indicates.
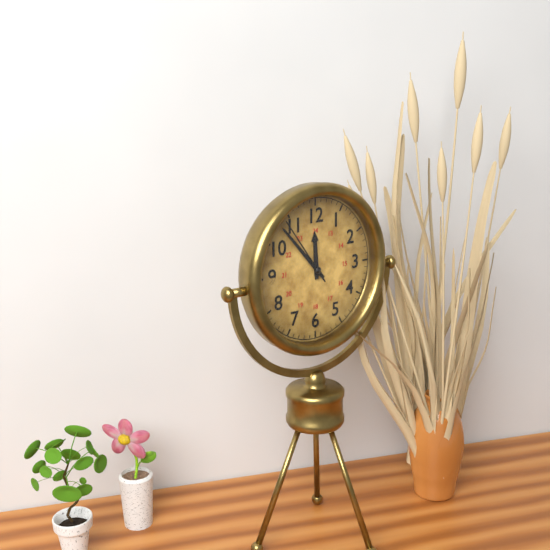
11:53:54
